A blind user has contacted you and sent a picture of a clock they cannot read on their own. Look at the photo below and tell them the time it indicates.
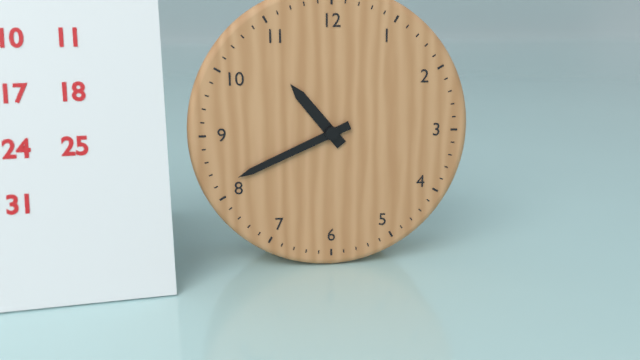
10:41
